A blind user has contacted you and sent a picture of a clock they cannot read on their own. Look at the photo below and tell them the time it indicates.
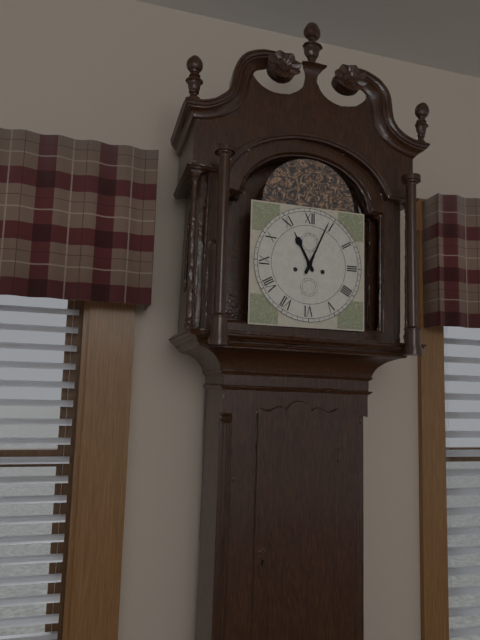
11:04
